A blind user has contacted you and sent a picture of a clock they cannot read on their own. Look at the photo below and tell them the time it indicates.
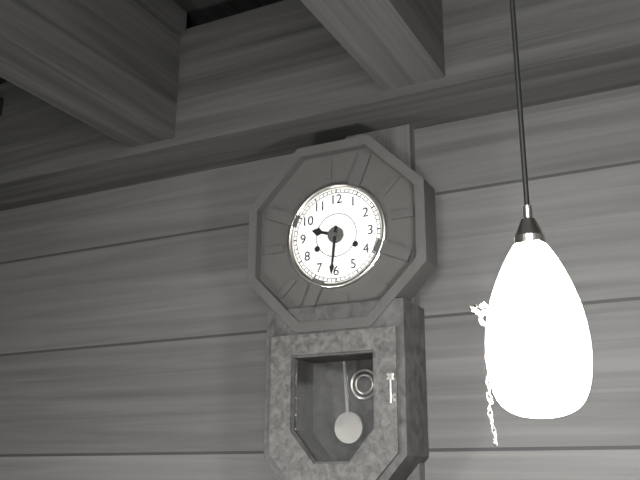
9:31
